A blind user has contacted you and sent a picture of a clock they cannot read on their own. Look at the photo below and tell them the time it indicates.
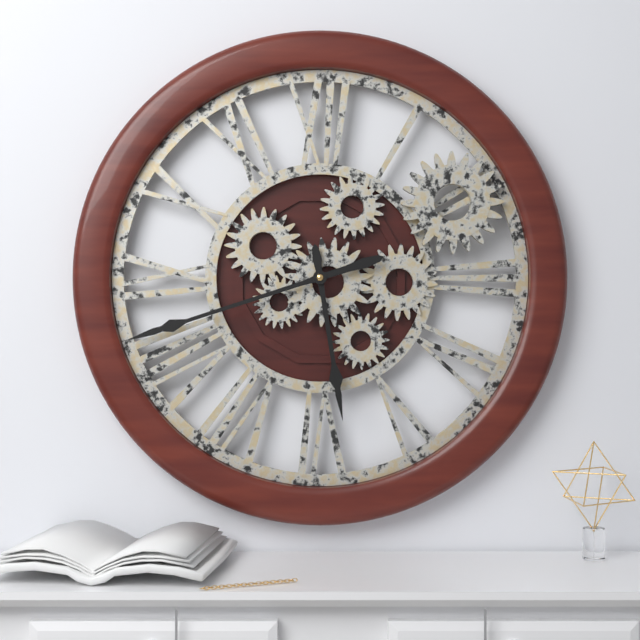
5:42
